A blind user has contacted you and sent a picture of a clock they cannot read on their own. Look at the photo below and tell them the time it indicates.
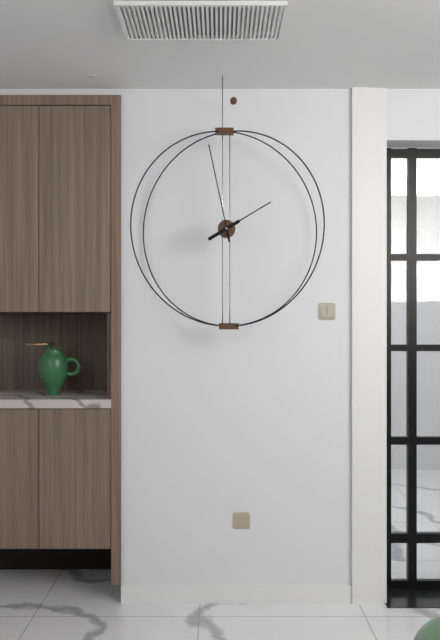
1:58
